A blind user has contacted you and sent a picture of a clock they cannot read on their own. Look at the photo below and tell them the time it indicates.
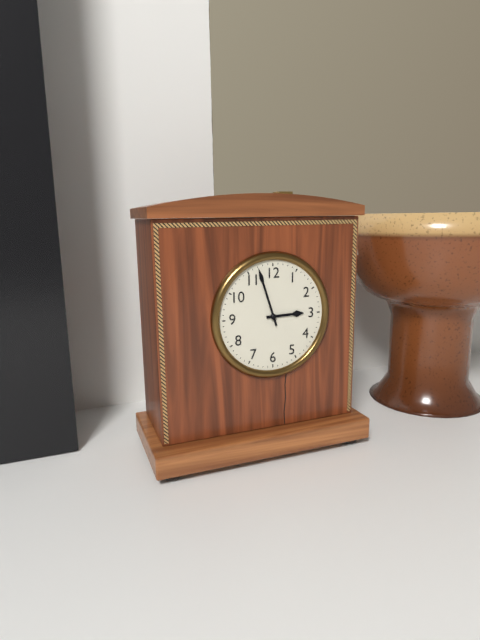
2:57
